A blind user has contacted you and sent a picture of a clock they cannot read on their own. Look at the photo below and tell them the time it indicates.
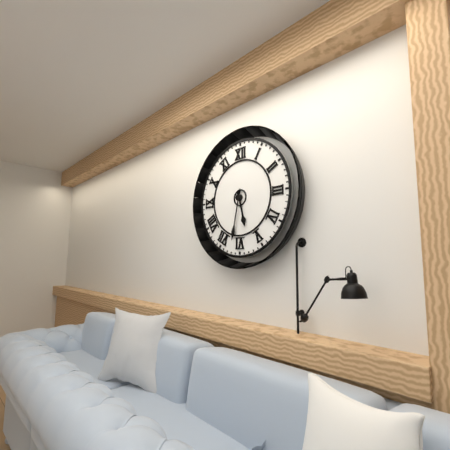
5:32
